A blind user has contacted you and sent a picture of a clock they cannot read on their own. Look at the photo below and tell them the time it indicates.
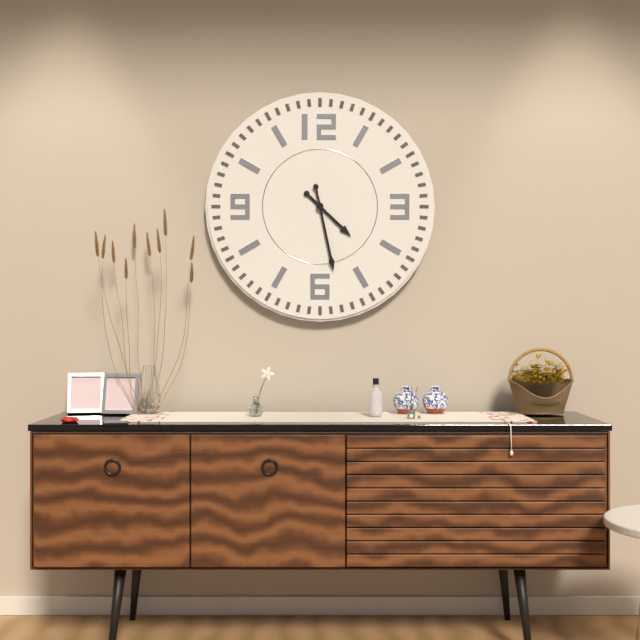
4:28
